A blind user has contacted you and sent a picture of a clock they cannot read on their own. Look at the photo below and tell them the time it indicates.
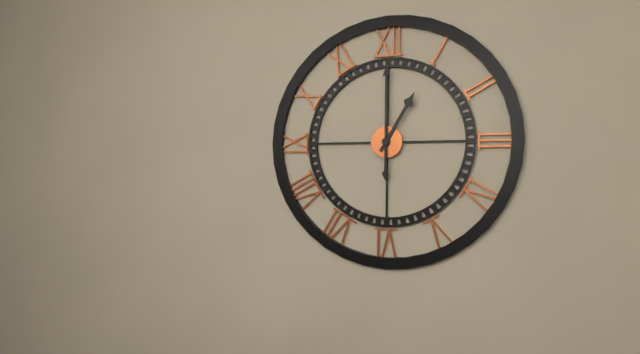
1:00
